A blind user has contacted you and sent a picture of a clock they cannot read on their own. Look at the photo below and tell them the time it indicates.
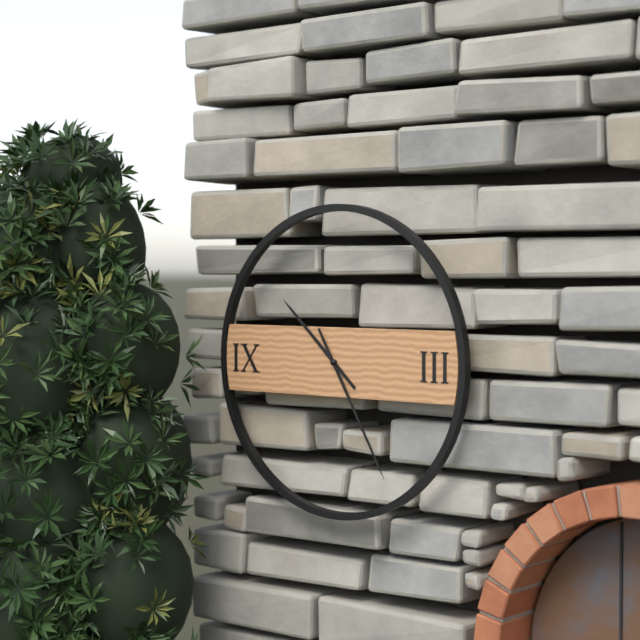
10:25
